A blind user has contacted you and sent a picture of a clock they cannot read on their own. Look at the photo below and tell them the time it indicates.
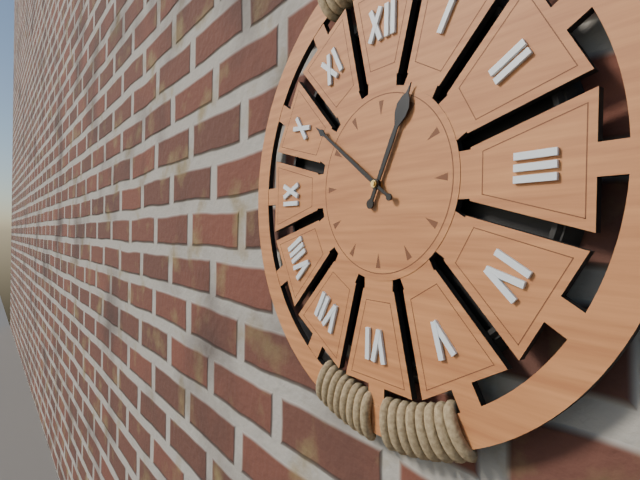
12:51
